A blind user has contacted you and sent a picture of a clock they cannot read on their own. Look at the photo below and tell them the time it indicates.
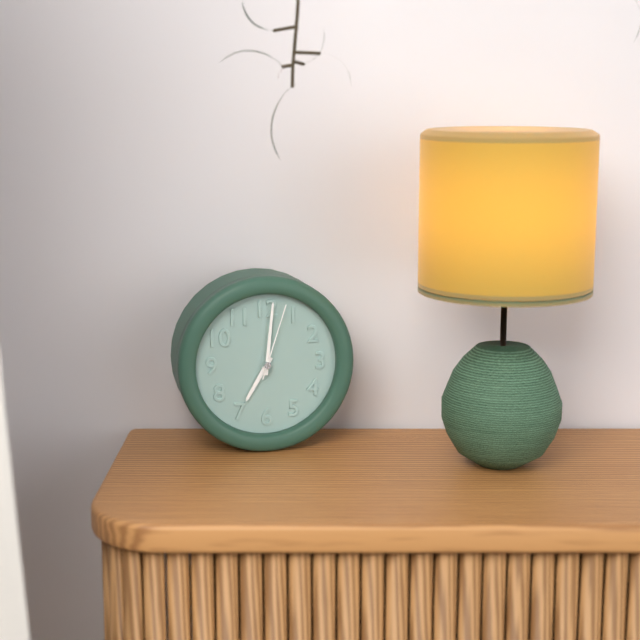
7:01:03
